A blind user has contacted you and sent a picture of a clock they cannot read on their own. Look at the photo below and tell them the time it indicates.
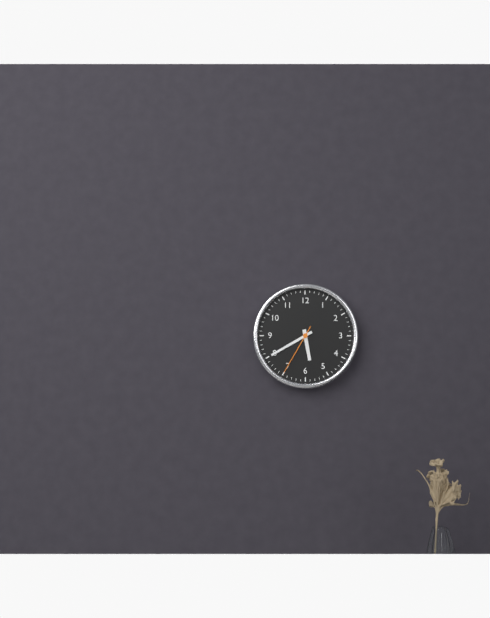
5:40:35
